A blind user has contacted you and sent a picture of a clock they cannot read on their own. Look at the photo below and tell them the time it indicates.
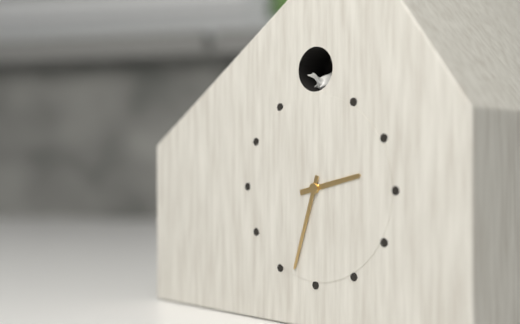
2:33
